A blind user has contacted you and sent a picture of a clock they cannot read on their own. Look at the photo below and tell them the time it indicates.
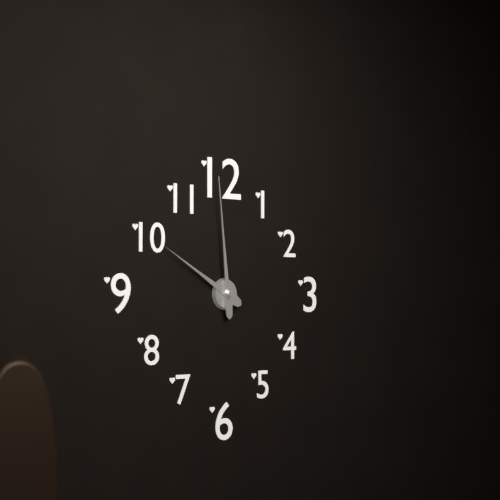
9:59
